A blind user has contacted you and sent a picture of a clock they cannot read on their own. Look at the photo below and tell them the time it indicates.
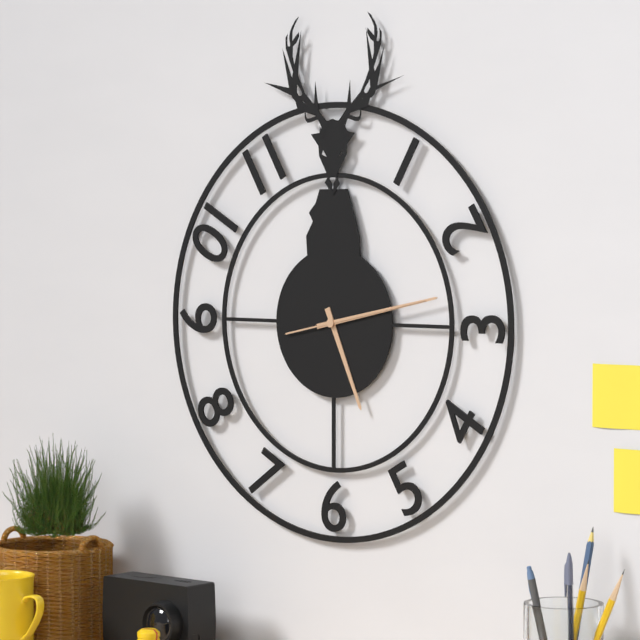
5:13:13
